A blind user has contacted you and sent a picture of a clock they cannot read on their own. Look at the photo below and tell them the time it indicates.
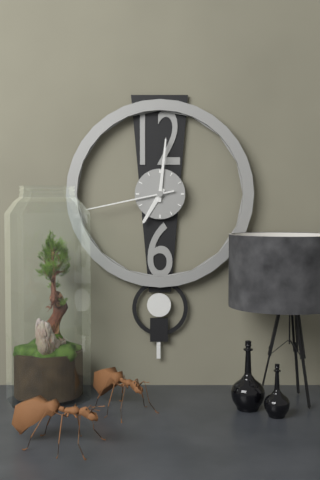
7:01:43
